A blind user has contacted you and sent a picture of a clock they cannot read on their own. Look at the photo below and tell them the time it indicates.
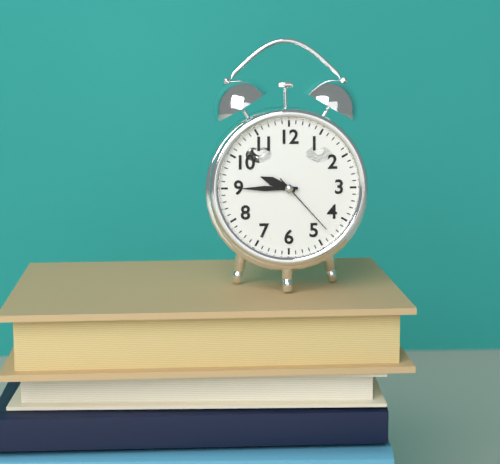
9:45:23
